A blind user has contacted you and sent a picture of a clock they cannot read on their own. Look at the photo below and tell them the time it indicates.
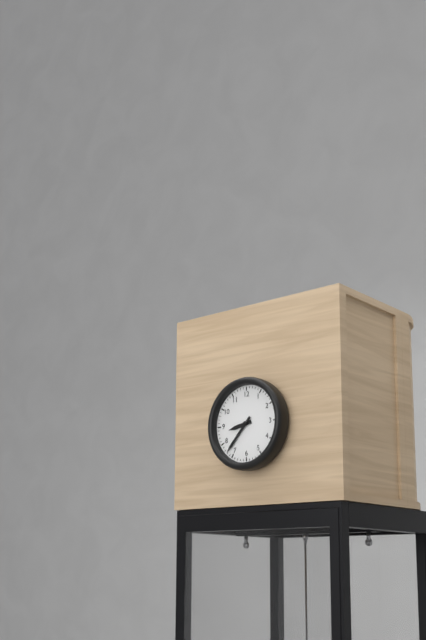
8:37
